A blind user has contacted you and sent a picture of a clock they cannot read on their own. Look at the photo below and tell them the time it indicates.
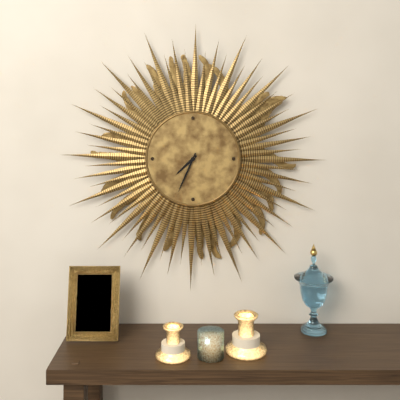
7:34
